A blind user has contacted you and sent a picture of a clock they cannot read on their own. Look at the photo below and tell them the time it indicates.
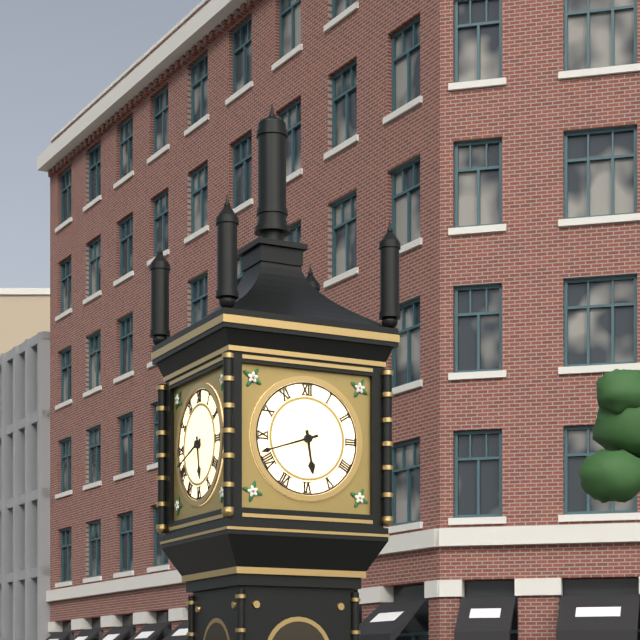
5:42
